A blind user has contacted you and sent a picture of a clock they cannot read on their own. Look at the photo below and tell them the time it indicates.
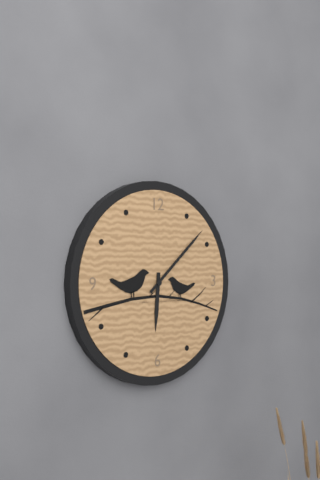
6:08
